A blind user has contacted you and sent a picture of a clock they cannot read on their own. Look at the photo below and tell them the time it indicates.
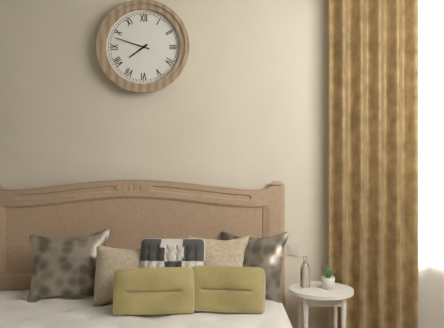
7:48
